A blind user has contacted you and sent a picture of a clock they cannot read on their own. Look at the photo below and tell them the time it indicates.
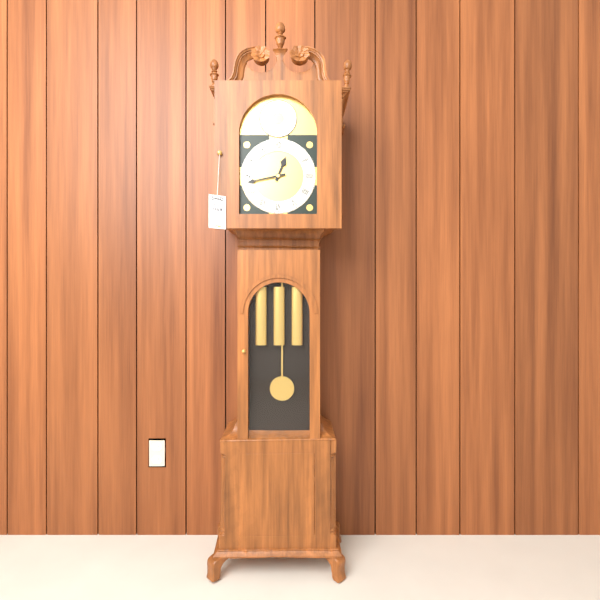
12:43
